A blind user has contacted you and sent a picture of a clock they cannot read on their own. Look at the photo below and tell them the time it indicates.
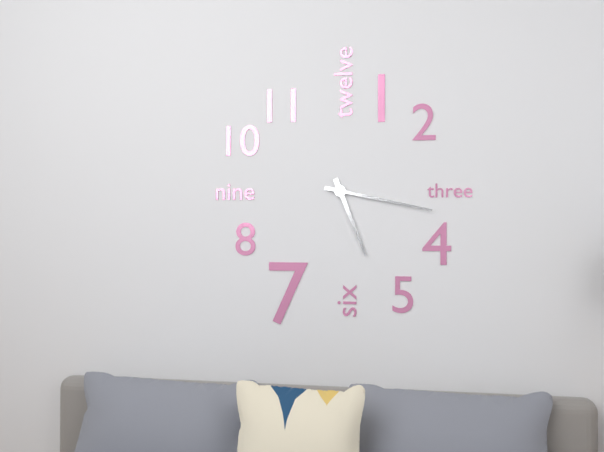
5:17
